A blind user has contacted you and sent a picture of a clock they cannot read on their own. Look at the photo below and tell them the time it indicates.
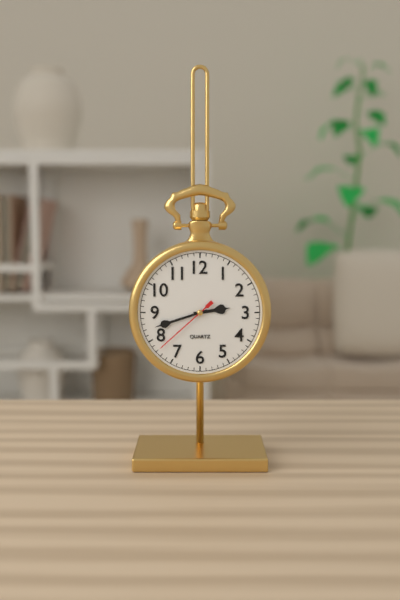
2:42:38
